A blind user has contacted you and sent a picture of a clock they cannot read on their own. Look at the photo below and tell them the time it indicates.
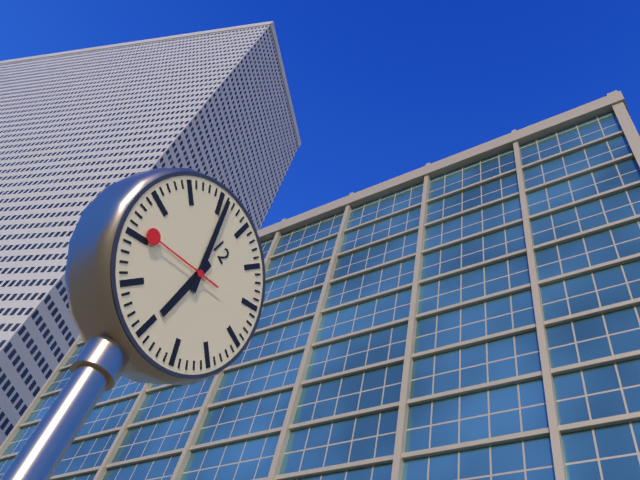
5:56:41
